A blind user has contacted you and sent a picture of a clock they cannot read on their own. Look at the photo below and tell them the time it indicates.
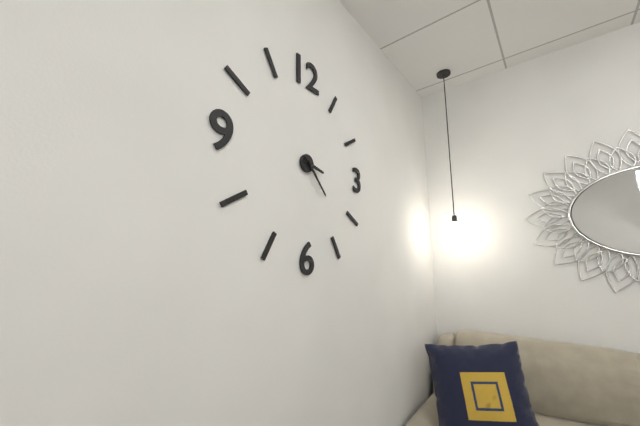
3:23
